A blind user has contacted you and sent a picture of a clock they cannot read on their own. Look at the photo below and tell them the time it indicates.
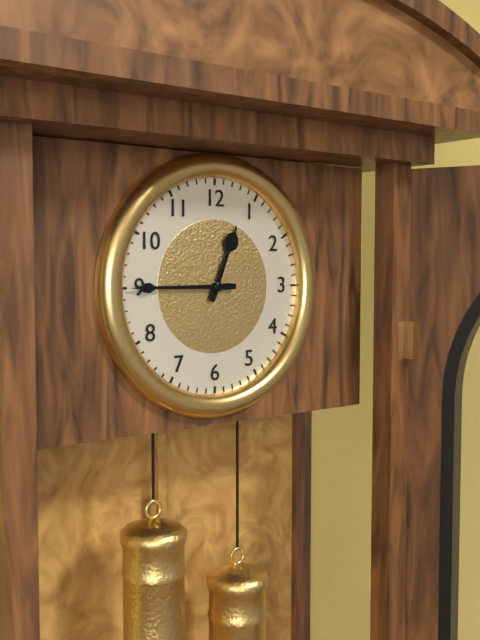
12:45
